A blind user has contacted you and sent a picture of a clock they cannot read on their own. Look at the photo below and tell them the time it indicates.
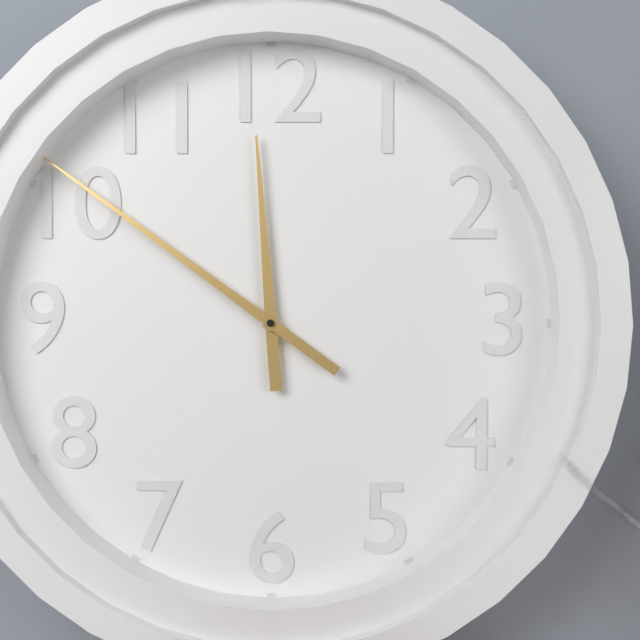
11:51
